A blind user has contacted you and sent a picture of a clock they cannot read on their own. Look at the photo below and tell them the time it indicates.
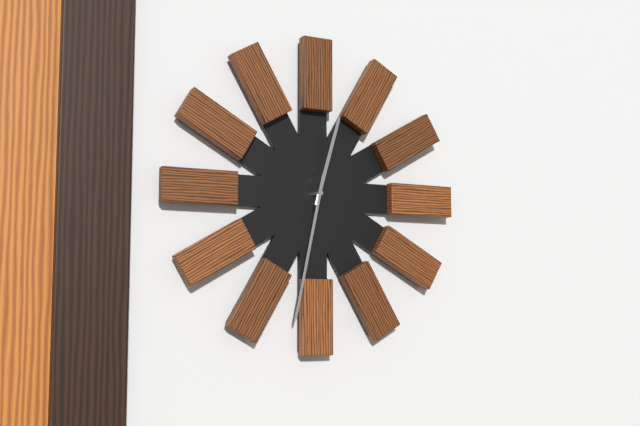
12:32
